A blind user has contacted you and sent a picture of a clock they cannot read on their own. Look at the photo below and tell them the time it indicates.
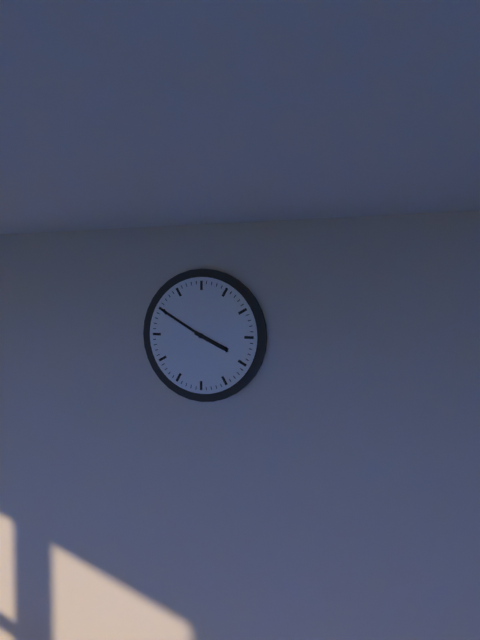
3:50
